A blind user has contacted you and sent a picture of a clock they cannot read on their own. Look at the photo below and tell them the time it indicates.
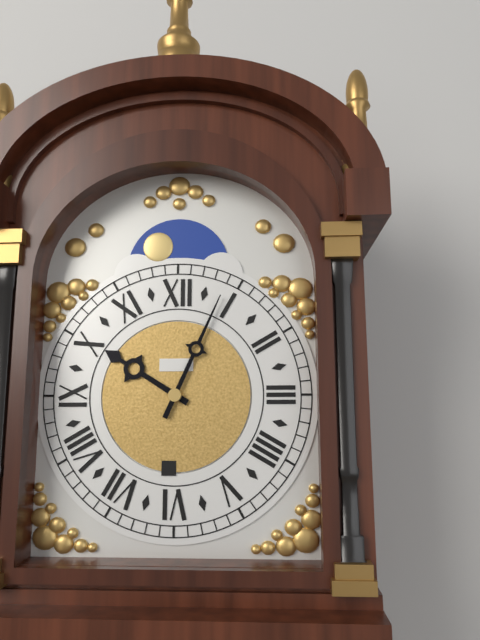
10:04
